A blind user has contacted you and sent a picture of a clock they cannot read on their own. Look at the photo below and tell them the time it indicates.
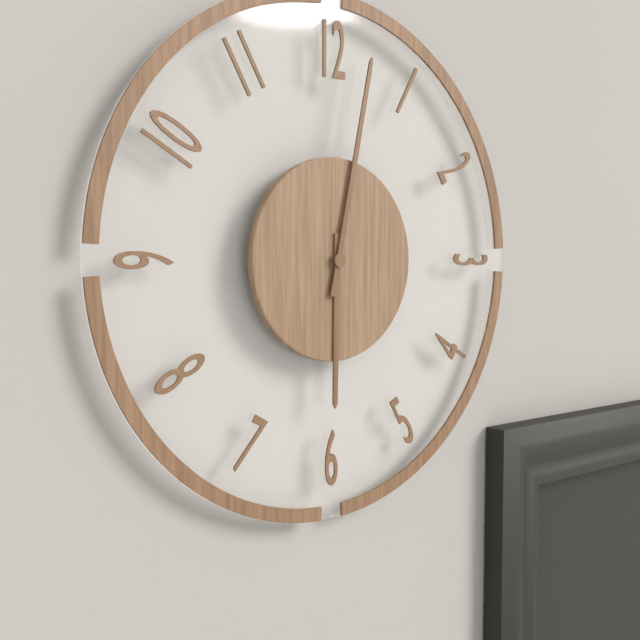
6:02
